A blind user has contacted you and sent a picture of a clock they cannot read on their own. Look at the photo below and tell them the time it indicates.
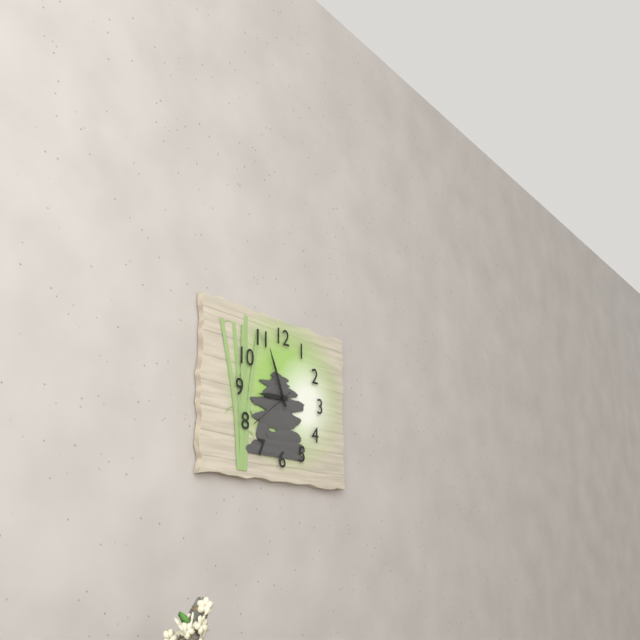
8:56:39
